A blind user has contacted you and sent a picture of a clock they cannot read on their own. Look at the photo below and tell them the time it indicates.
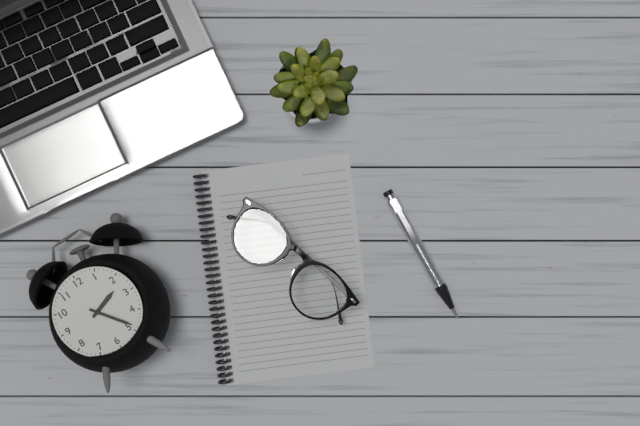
2:24
